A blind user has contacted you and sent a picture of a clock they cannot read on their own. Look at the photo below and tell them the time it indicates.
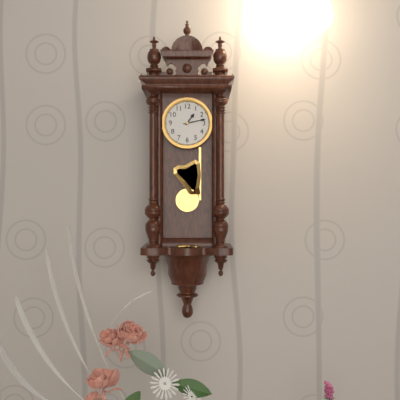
1:13
